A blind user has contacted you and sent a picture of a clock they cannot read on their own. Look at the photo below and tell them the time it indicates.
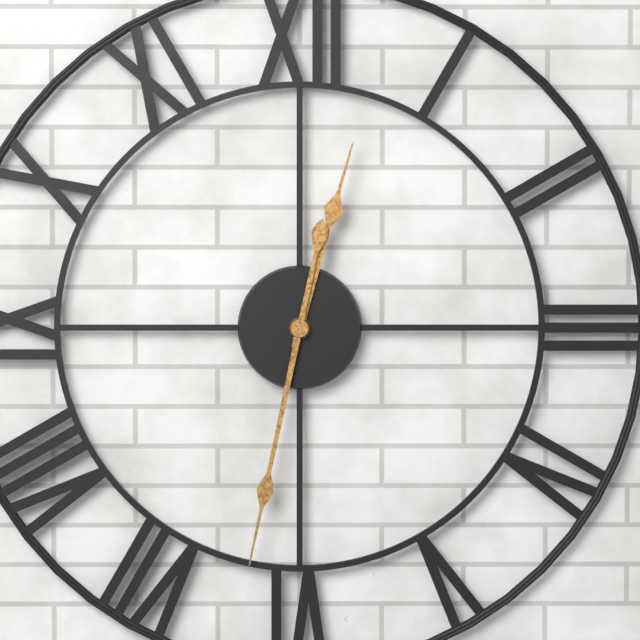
12:32
